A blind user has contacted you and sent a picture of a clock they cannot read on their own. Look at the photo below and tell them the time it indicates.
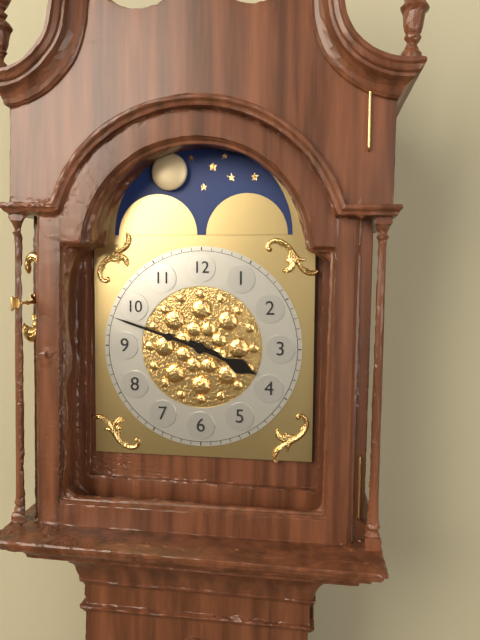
3:48
